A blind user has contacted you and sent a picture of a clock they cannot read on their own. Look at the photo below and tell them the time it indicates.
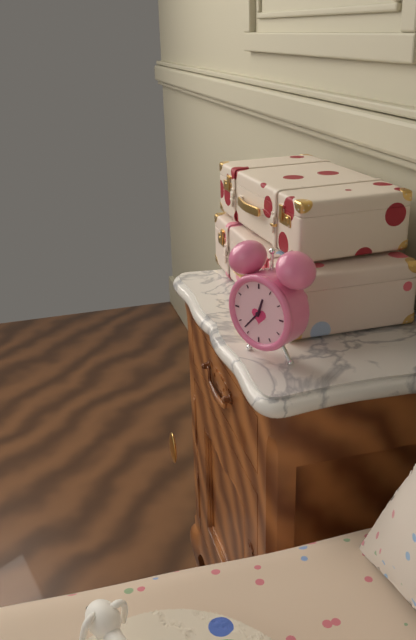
12:37
